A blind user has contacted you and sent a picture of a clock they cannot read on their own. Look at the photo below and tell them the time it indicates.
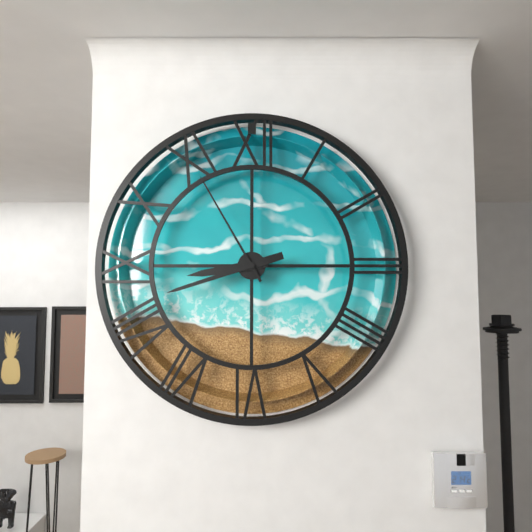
8:42:55
